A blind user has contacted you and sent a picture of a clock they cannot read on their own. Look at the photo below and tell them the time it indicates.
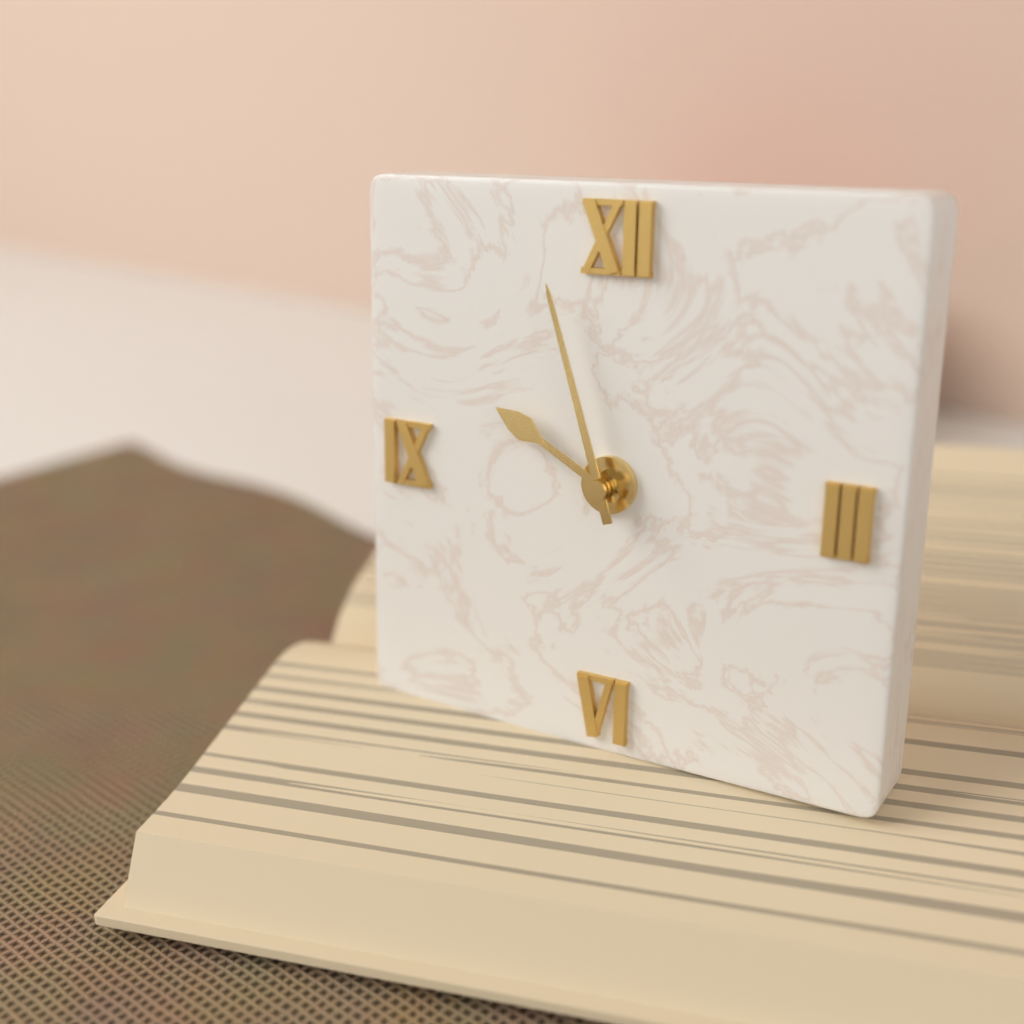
9:57
